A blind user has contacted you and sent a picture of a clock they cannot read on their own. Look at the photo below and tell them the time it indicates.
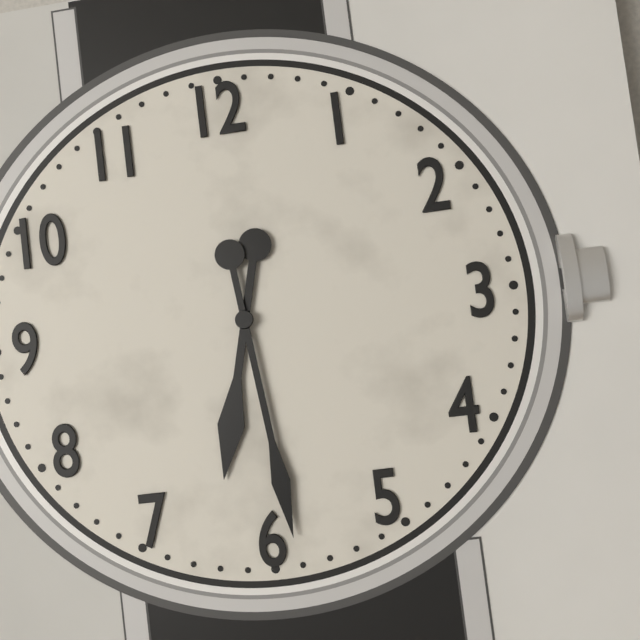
6:29
